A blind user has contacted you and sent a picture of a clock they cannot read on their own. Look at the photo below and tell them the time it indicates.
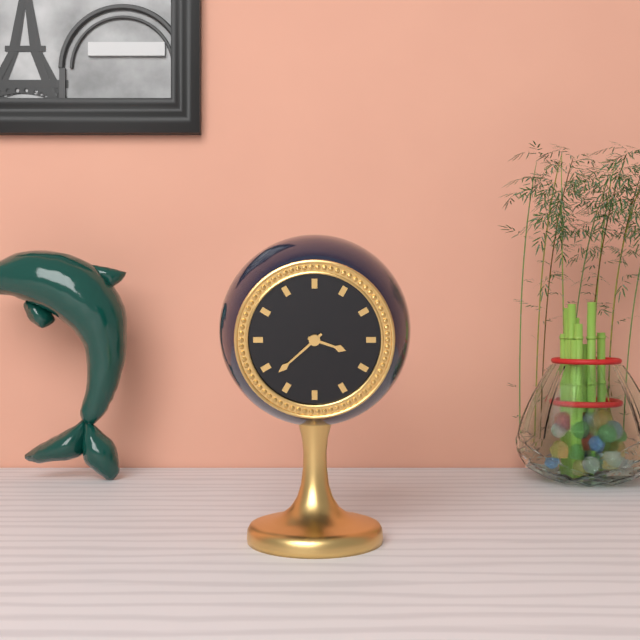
3:38
